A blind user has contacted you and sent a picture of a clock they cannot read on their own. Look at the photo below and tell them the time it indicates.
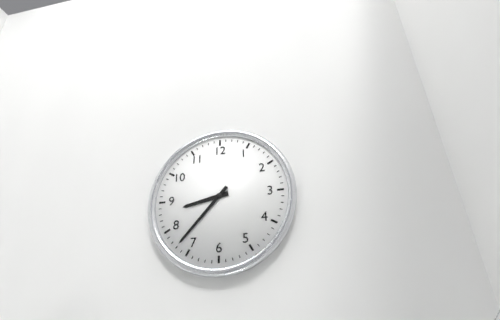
8:37
